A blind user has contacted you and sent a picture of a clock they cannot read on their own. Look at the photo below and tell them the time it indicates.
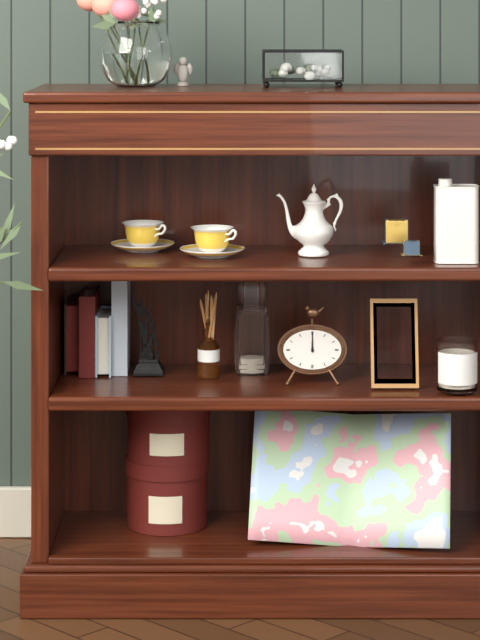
12:00
